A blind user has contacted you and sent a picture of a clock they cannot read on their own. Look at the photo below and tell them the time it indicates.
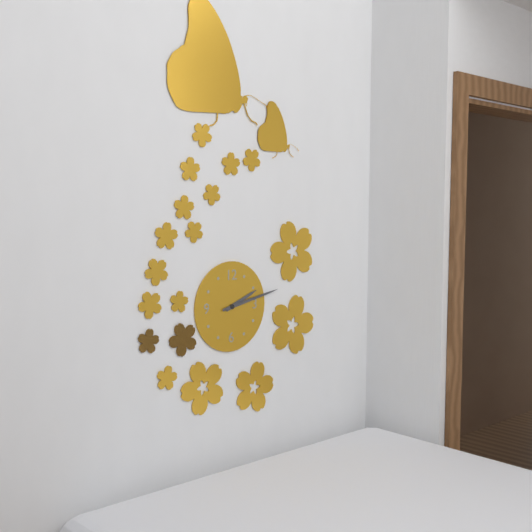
2:13
